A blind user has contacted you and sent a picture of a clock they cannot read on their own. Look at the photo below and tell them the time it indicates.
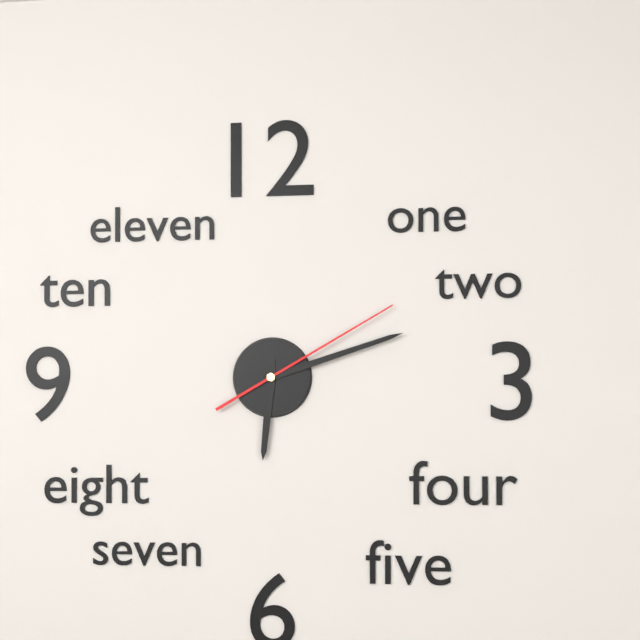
6:12:10
